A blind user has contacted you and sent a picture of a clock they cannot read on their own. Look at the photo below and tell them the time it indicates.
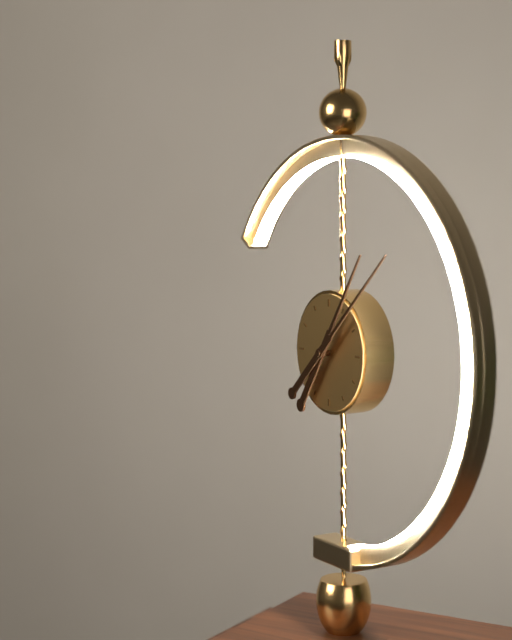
1:08
